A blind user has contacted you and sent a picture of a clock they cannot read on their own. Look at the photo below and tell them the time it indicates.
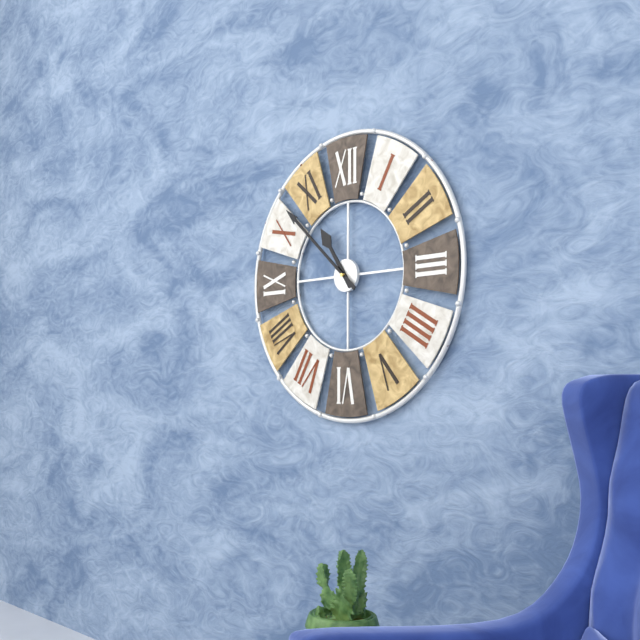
10:52
